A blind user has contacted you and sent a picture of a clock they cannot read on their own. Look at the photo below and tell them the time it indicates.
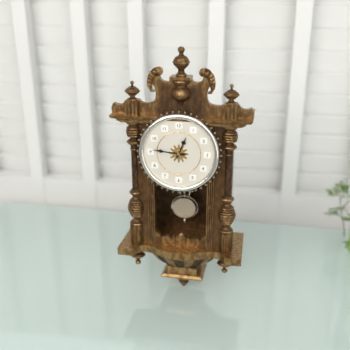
12:46
